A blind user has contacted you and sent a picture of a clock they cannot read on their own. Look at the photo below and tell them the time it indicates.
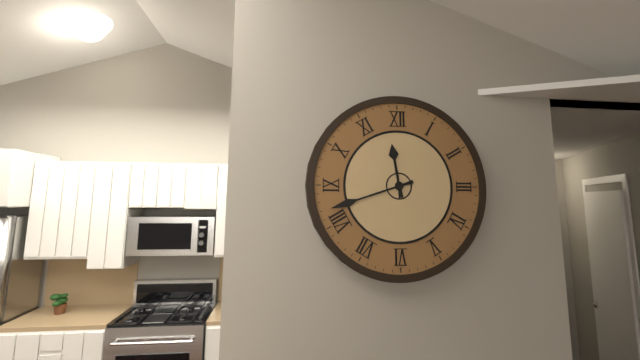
11:42
